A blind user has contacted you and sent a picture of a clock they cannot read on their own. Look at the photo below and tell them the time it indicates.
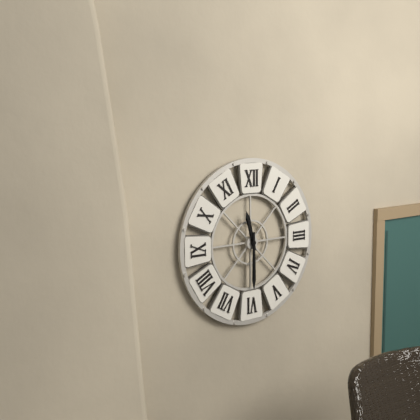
11:30
